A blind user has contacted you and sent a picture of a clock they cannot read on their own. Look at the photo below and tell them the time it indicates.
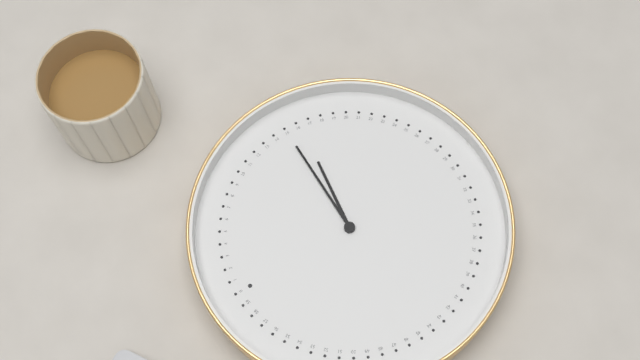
3:15
